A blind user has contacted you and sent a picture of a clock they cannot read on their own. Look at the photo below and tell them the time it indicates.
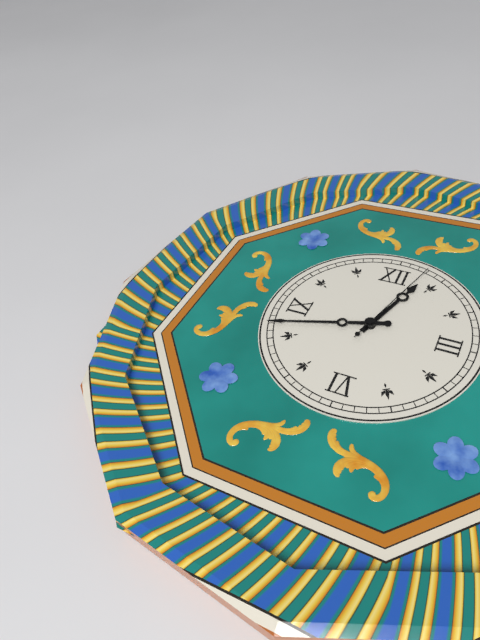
12:42:03
